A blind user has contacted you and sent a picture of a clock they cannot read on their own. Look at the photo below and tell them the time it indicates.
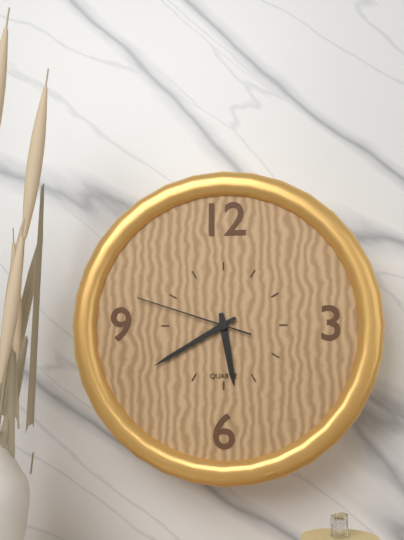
5:40:48
